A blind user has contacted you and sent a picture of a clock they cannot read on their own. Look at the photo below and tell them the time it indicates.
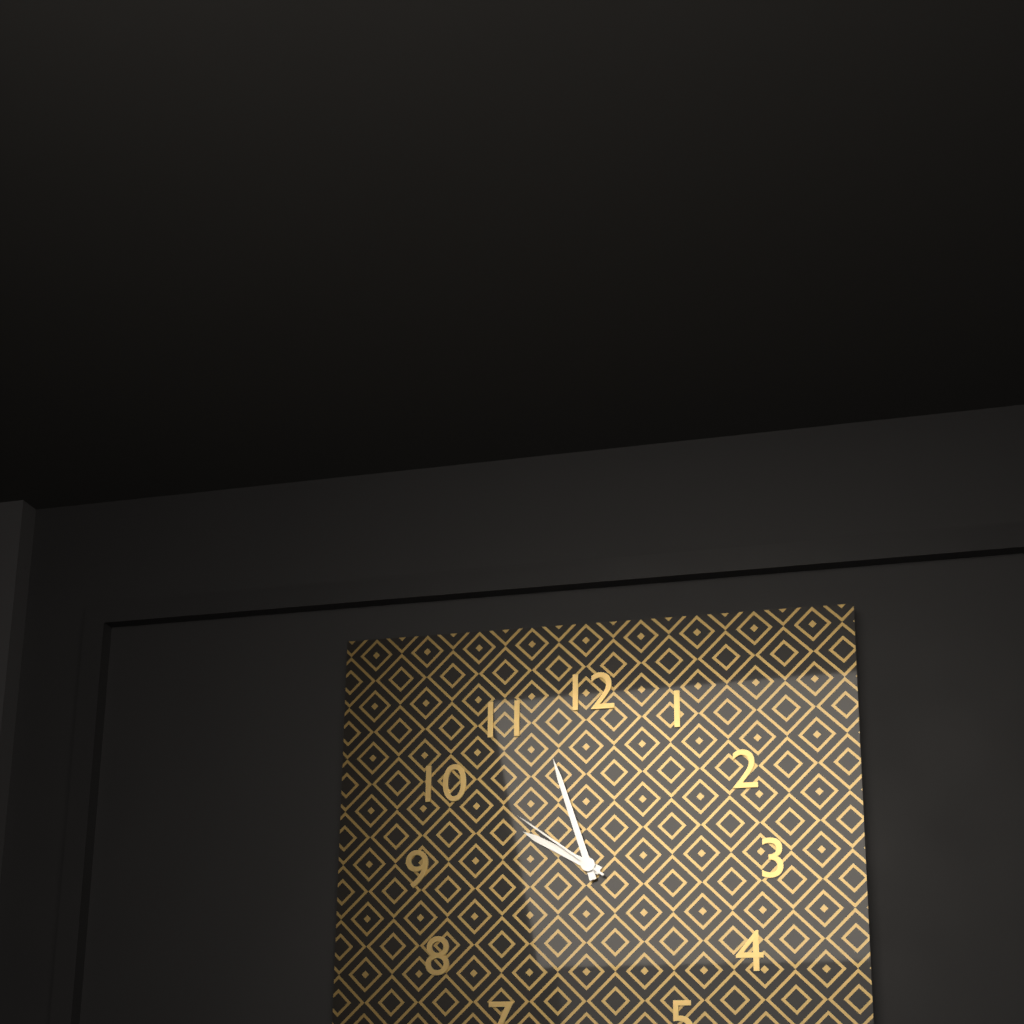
9:57:51
